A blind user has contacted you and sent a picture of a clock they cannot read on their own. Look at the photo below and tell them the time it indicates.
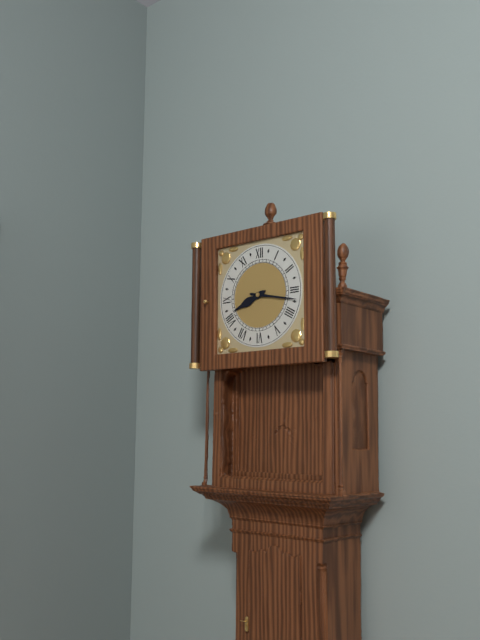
8:17
